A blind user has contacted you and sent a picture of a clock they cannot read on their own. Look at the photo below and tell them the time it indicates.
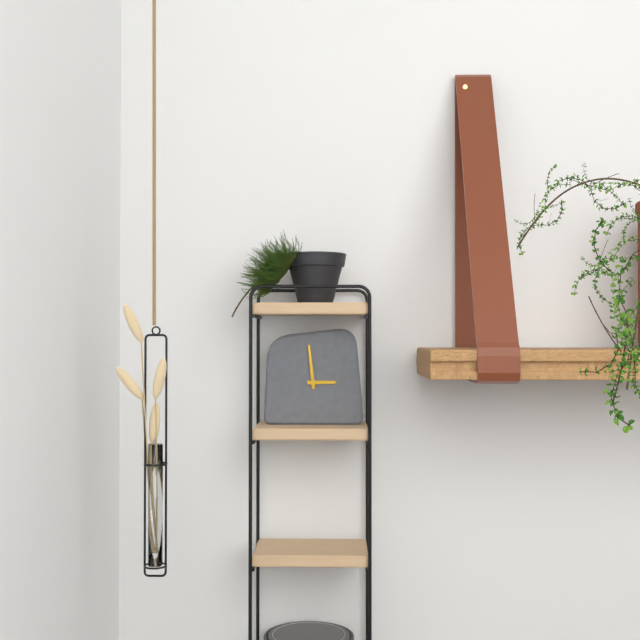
2:59
